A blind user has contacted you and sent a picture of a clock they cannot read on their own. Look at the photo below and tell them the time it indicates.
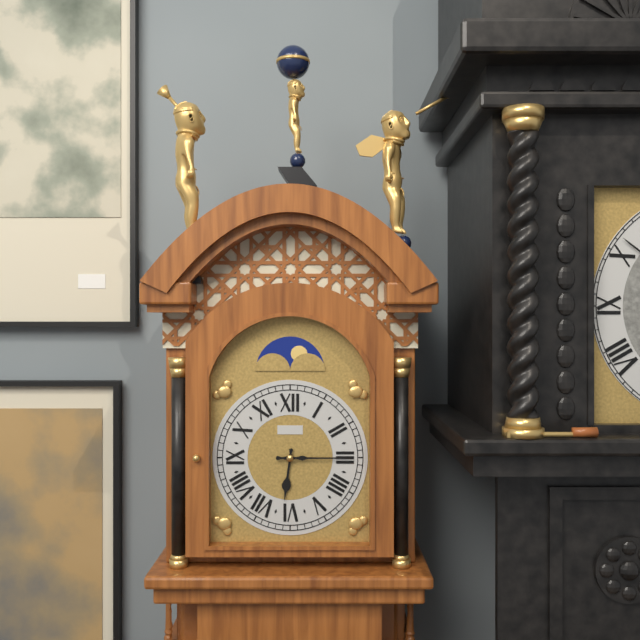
6:15
